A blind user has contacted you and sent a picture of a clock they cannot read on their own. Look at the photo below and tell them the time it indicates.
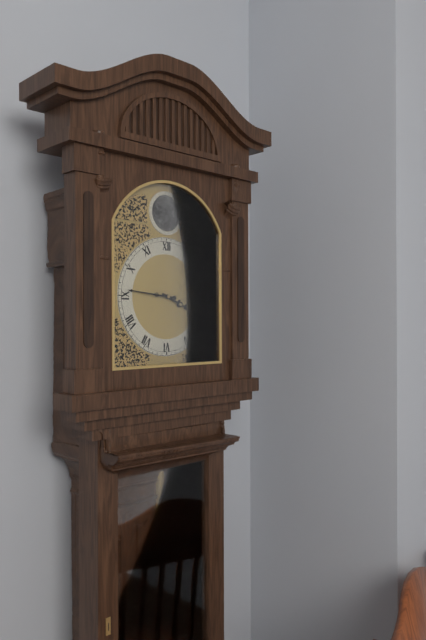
3:46
